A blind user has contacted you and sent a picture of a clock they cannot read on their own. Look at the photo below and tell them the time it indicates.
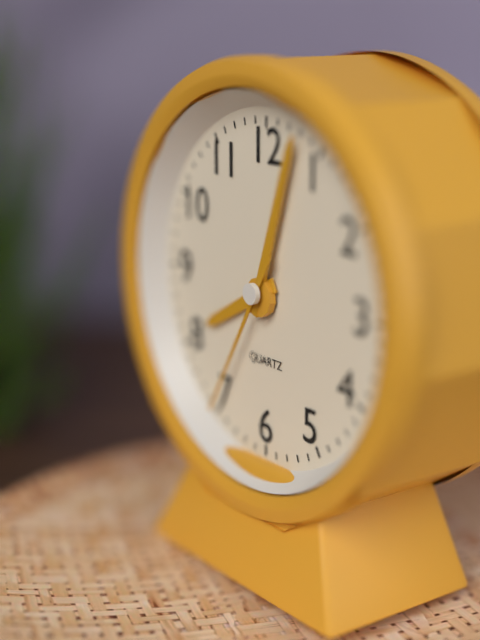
8:03:35
